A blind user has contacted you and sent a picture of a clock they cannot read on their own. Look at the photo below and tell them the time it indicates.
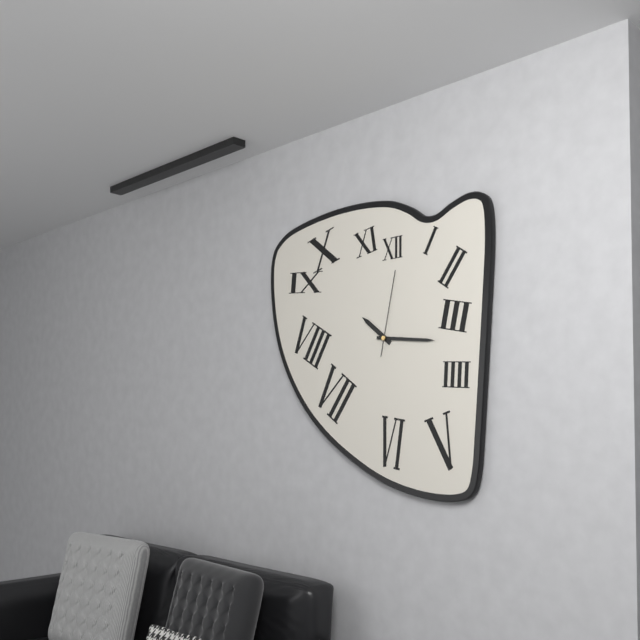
10:16:02
